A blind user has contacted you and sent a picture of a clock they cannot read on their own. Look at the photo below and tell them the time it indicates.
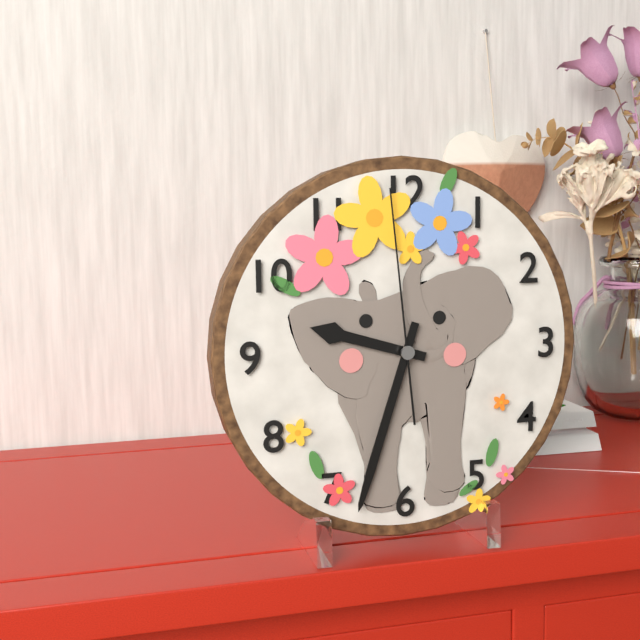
9:33:59
